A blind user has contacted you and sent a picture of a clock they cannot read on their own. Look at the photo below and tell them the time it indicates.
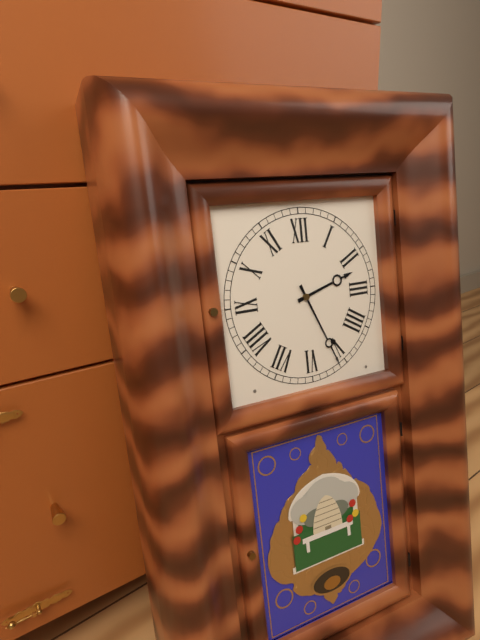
2:26
